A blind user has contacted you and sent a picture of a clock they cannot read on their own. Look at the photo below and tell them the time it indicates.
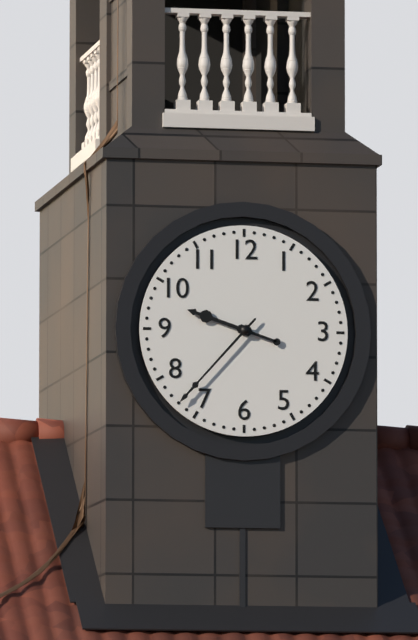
9:37
